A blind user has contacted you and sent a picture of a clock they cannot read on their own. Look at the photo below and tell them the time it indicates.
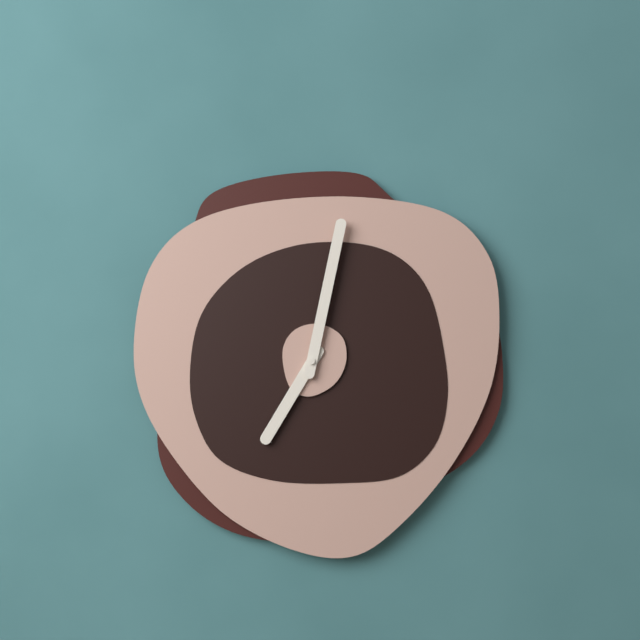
7:02
